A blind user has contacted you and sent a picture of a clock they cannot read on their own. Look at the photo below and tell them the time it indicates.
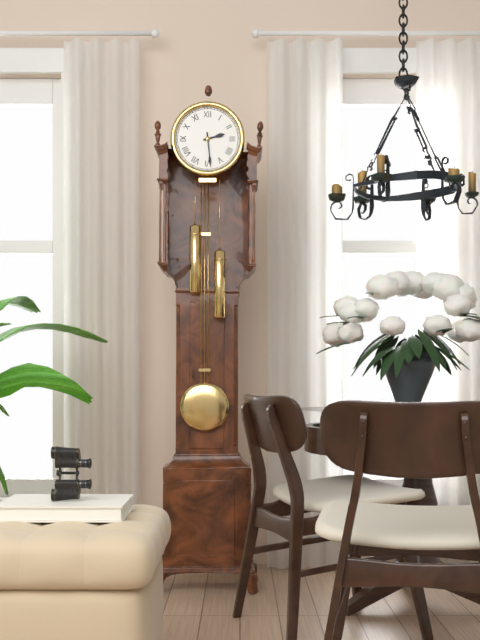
2:29
